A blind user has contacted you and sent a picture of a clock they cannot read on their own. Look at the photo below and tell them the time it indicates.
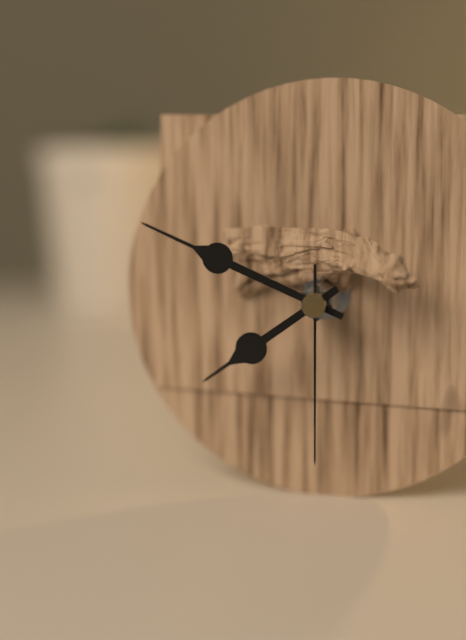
7:49:30
